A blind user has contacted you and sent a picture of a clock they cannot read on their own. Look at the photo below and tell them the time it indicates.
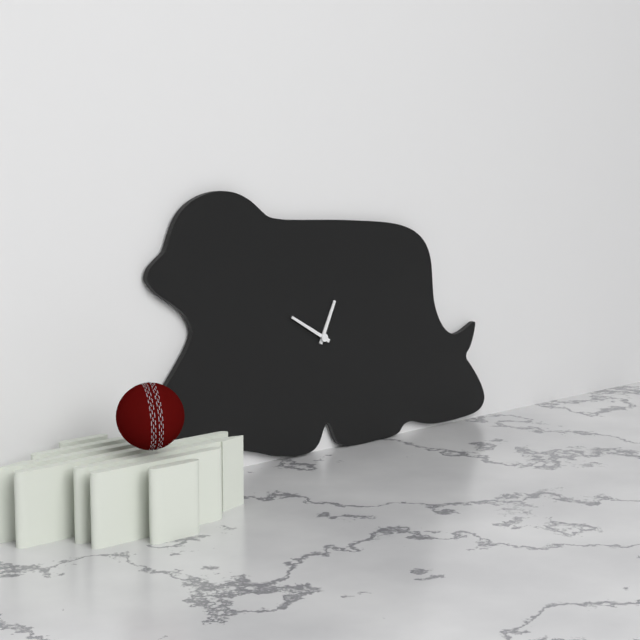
12:50
